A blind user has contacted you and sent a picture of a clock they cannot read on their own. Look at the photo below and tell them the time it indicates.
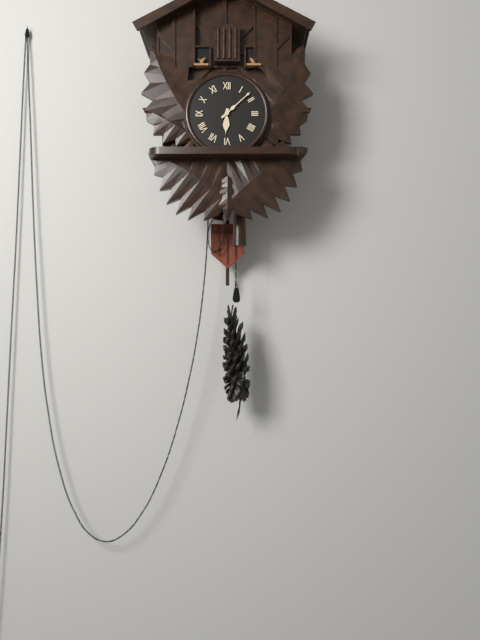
6:08
